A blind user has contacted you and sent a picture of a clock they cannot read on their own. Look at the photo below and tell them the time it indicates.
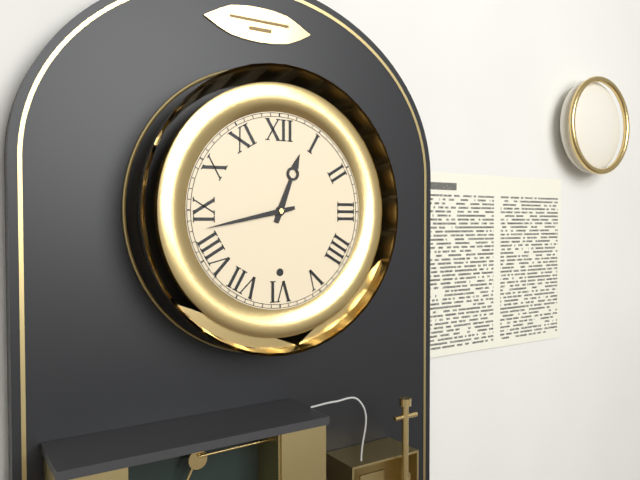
12:43
